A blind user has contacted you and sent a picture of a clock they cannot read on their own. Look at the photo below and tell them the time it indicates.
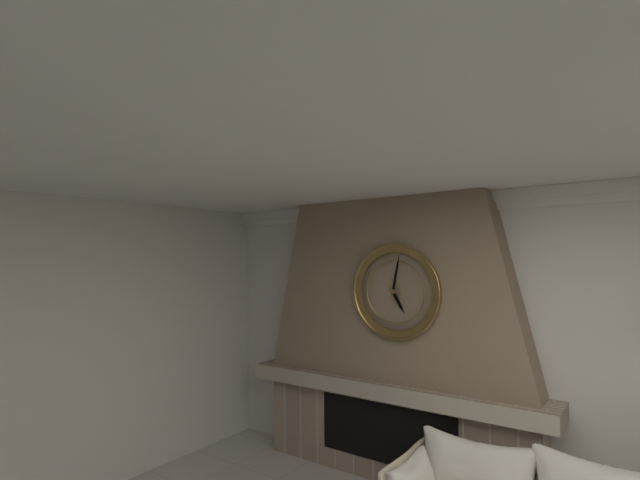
5:02
